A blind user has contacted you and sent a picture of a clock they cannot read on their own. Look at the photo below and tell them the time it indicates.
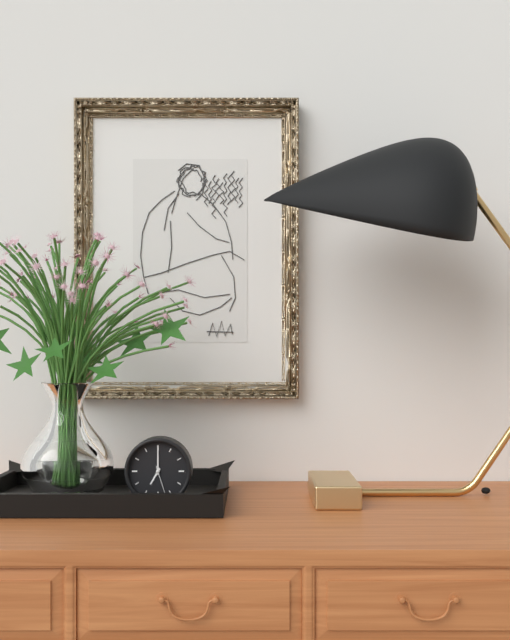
7:00
